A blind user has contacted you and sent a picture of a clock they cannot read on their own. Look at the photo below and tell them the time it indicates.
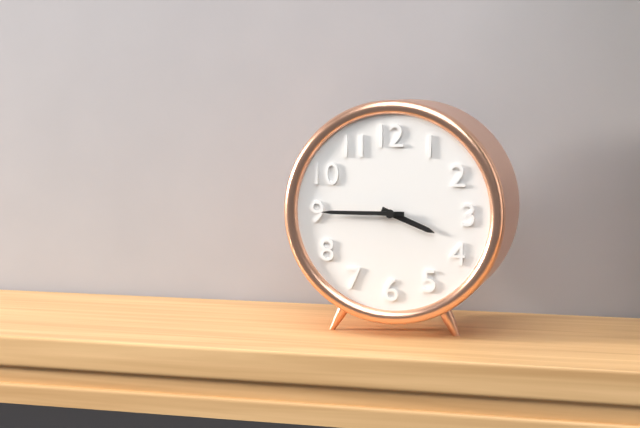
3:45
